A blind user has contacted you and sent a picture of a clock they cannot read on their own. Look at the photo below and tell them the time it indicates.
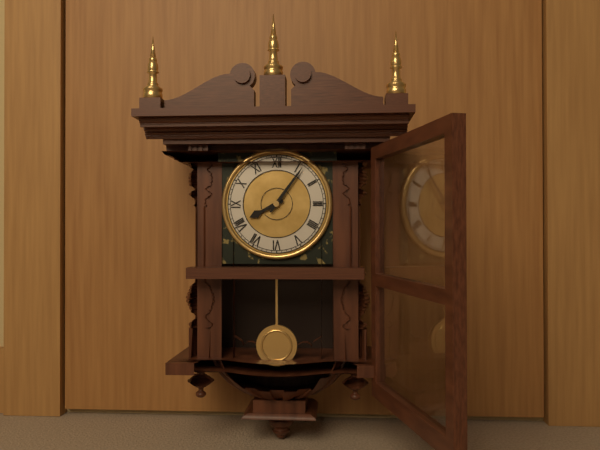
8:06
